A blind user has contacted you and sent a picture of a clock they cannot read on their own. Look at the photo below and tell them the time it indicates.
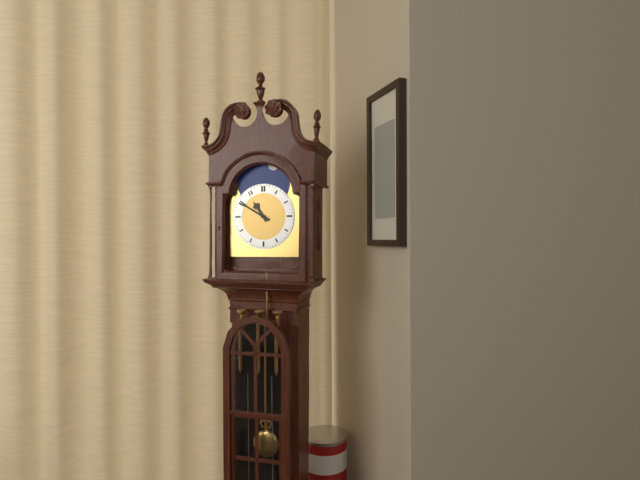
10:50
